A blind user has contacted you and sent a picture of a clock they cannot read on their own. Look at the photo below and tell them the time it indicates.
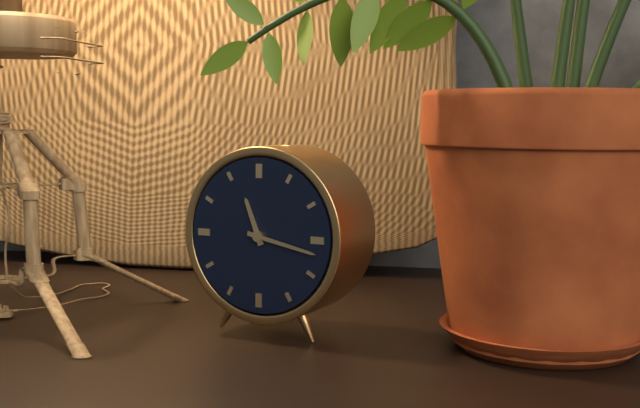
11:17
